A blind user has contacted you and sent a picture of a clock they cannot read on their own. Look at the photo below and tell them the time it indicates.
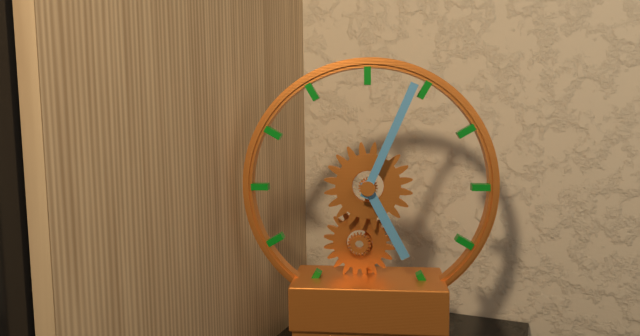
5:04
